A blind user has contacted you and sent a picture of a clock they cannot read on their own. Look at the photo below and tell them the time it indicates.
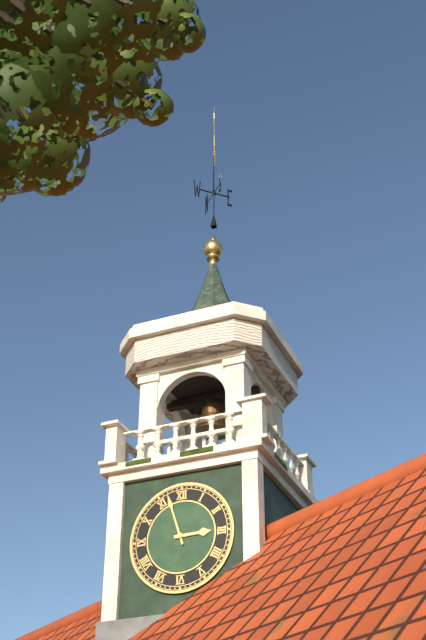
2:57
